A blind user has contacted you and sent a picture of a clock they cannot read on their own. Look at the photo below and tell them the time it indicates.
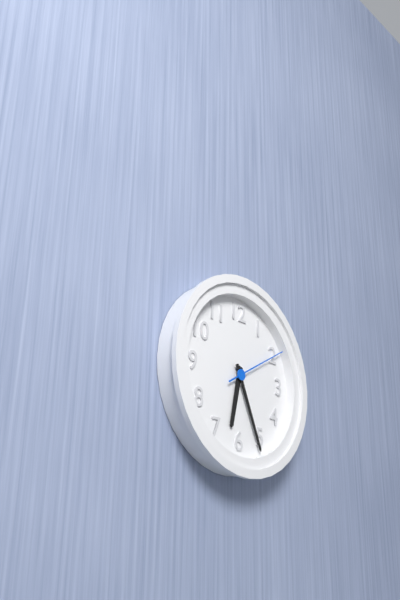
6:26:10
